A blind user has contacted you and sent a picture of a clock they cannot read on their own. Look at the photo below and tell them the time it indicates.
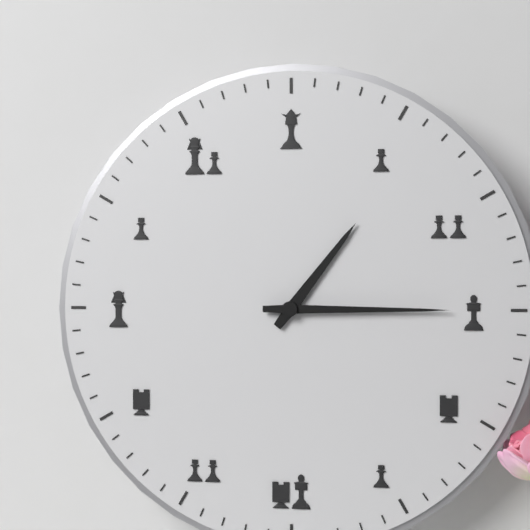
1:15
